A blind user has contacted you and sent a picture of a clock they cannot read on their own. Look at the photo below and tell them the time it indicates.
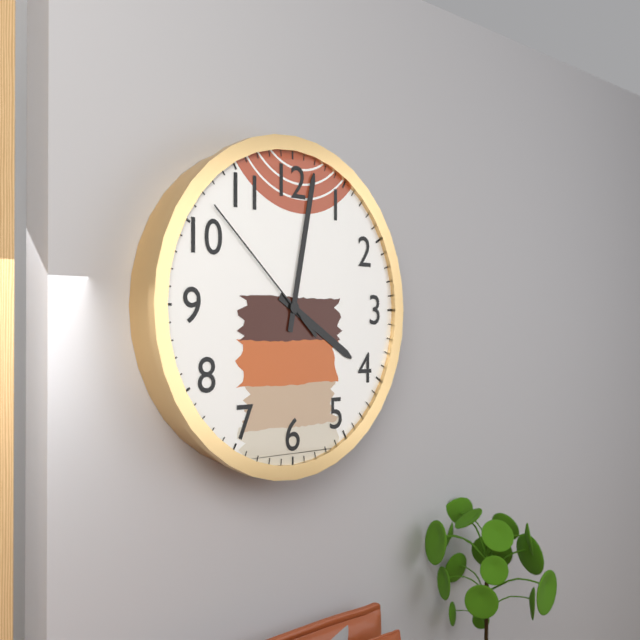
4:02:52
